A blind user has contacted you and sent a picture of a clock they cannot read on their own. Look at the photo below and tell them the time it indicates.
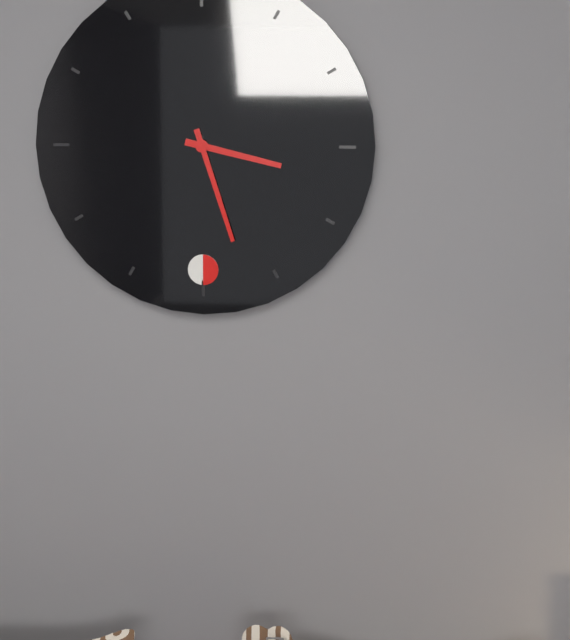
3:27
